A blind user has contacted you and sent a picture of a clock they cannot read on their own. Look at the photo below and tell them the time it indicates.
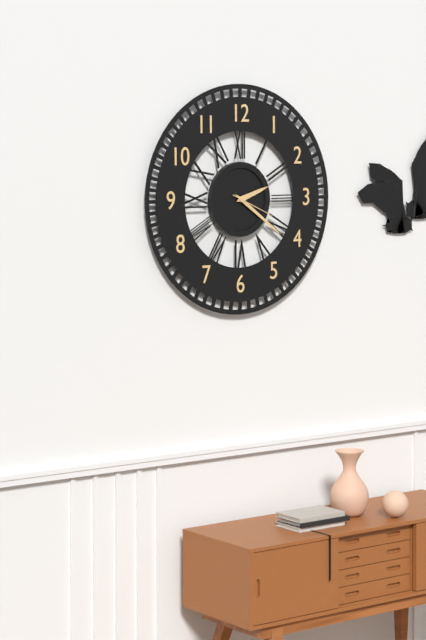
2:21
